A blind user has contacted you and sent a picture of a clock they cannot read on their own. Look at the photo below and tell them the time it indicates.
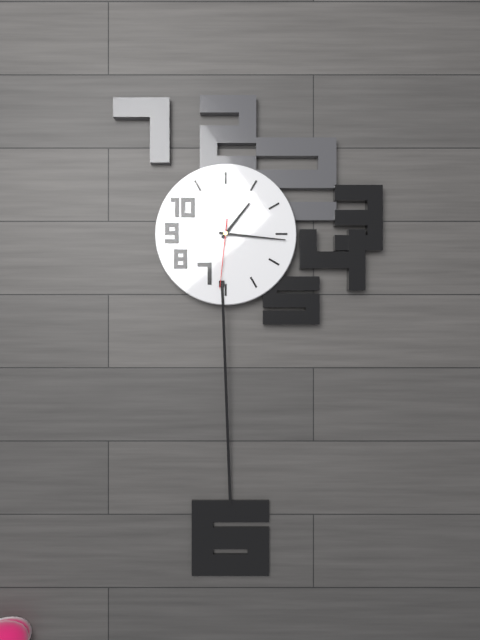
1:16:31
